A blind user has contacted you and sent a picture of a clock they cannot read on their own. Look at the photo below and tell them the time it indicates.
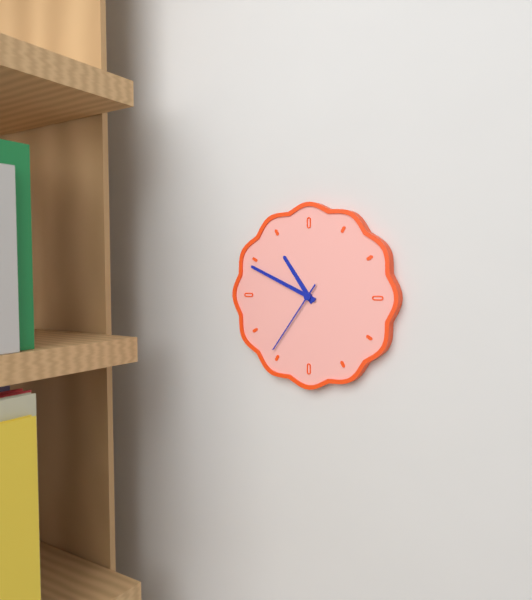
10:49:36
